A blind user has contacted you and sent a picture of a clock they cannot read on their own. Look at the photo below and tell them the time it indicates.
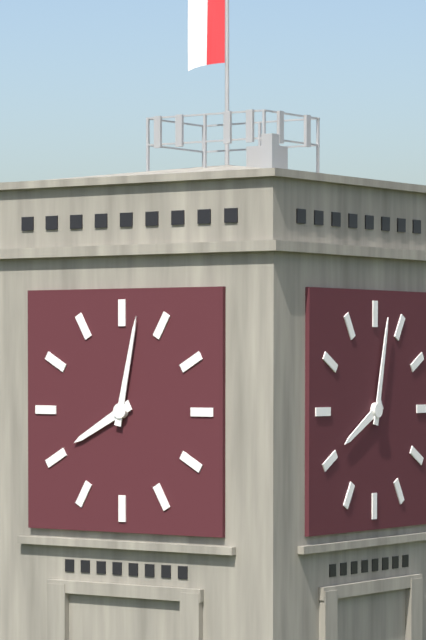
8:02
